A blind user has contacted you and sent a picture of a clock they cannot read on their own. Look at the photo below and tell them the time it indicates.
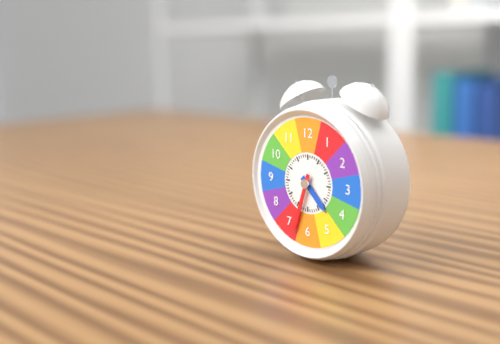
4:33
